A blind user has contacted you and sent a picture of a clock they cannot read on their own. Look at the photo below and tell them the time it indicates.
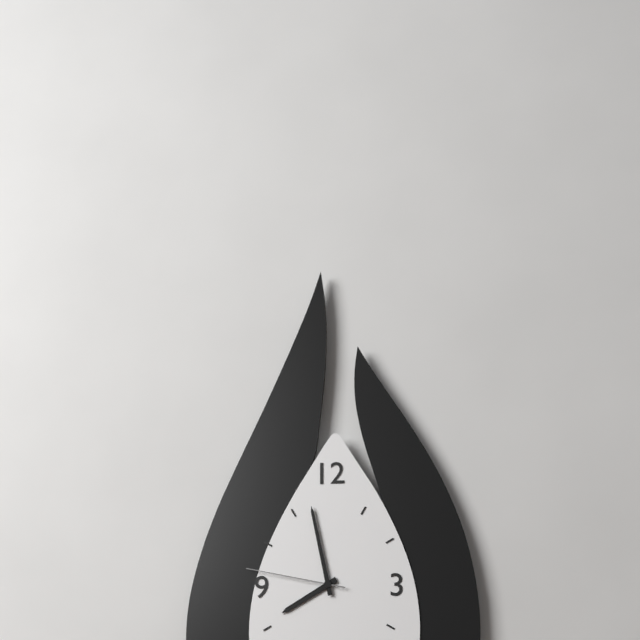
7:58:47
